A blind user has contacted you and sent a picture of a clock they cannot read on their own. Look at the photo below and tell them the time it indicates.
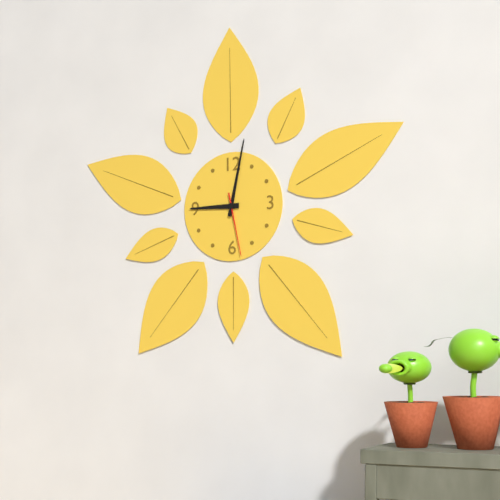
9:02:28
